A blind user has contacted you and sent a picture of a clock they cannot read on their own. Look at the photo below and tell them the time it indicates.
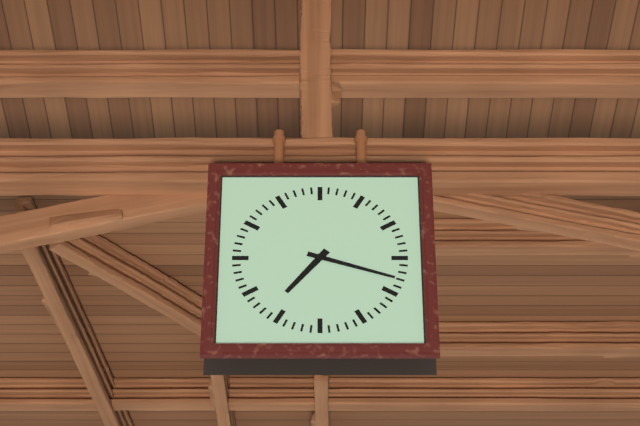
7:18
